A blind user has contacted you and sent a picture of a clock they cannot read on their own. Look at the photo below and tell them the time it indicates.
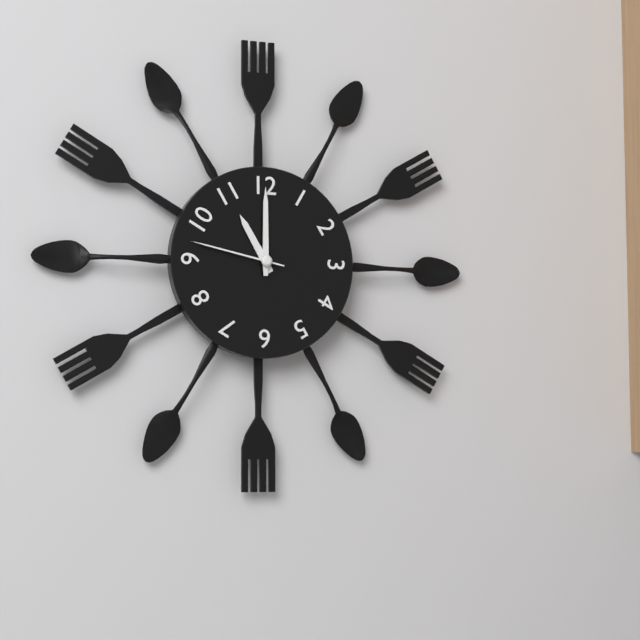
11:00:47
